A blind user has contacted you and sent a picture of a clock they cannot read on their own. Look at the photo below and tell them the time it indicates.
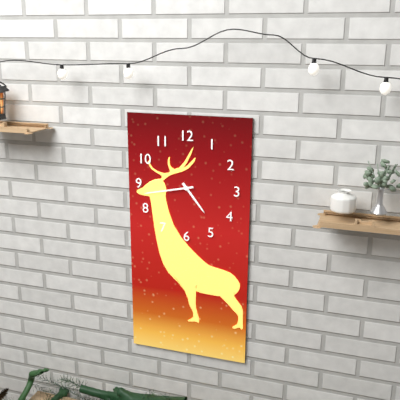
4:43
